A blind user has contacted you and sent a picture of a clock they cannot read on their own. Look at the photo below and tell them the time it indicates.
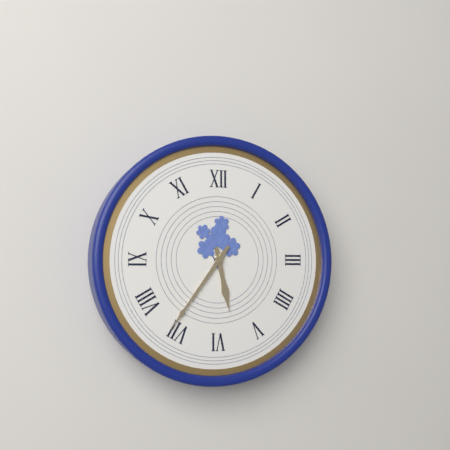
5:36
